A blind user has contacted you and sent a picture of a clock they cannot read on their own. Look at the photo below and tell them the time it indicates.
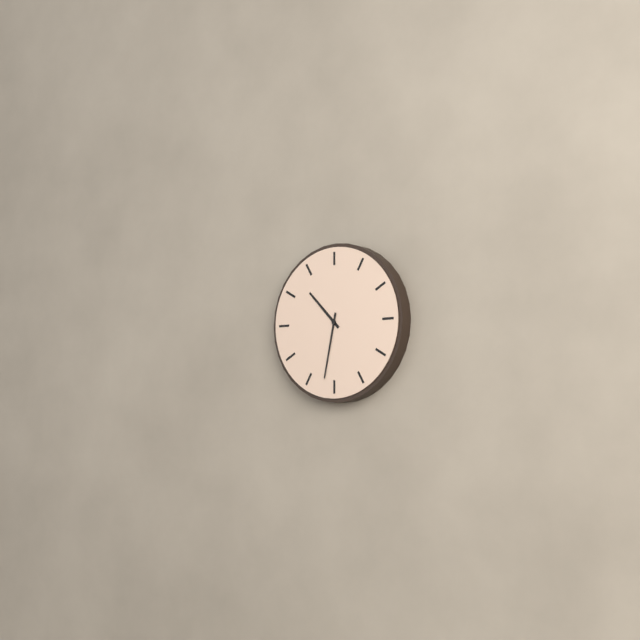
10:32
